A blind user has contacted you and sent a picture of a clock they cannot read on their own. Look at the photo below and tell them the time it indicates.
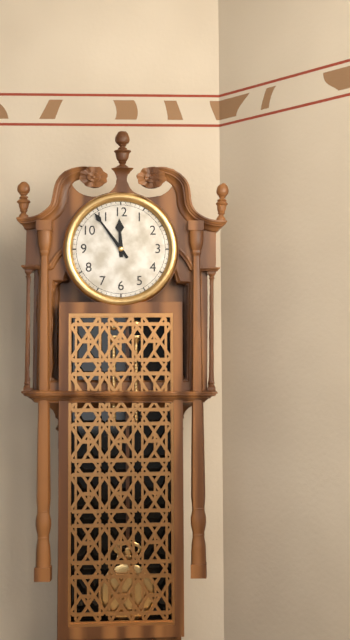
11:54
